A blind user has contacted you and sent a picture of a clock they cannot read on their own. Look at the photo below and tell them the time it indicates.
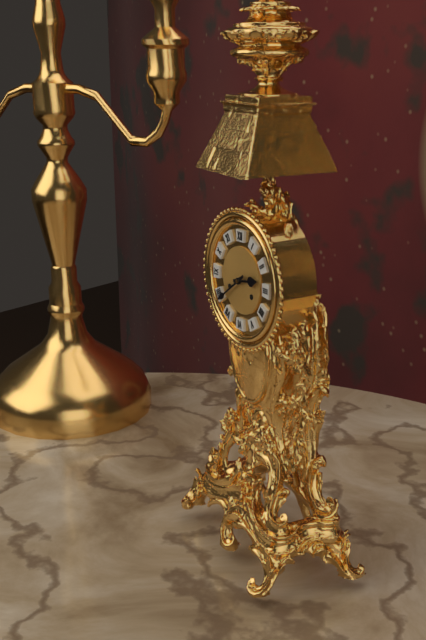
2:39
